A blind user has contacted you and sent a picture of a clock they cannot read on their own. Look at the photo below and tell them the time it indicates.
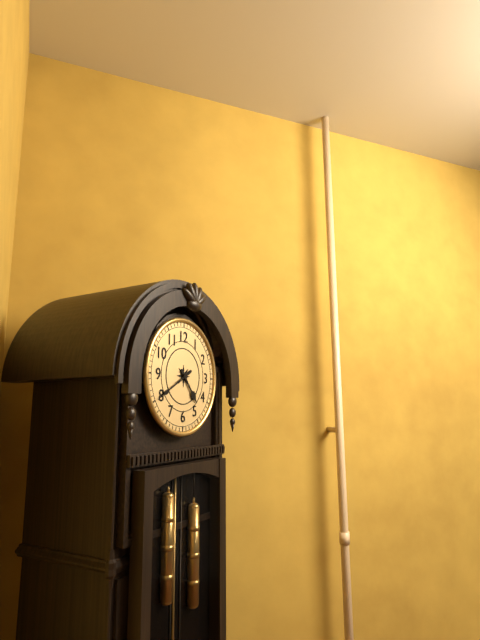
4:40
